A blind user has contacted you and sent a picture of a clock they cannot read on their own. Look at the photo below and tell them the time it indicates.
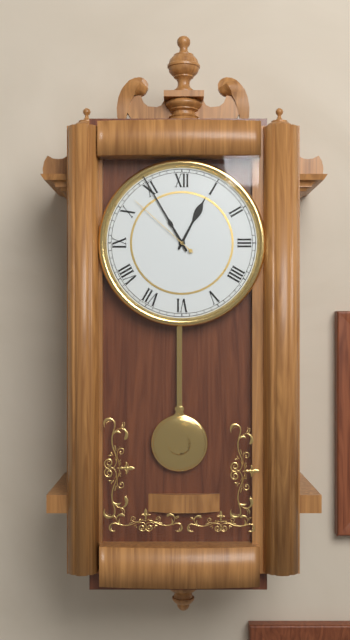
12:55:52
